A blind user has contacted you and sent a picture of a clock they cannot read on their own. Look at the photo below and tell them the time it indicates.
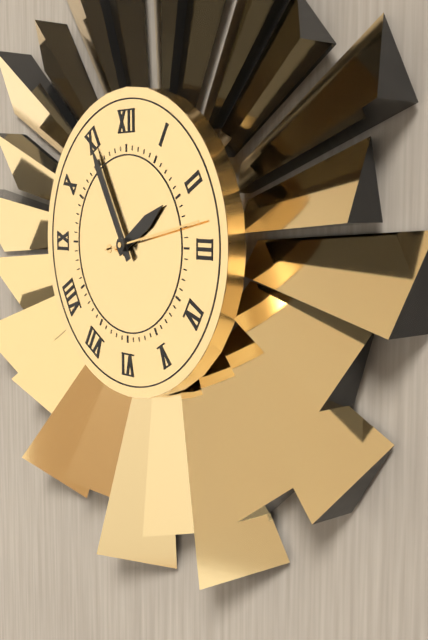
1:55:13
